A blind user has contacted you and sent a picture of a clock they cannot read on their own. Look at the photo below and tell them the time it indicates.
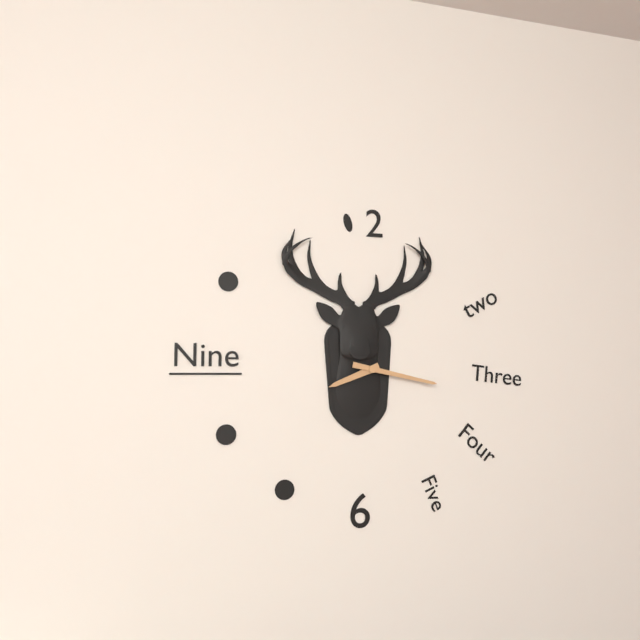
8:17
